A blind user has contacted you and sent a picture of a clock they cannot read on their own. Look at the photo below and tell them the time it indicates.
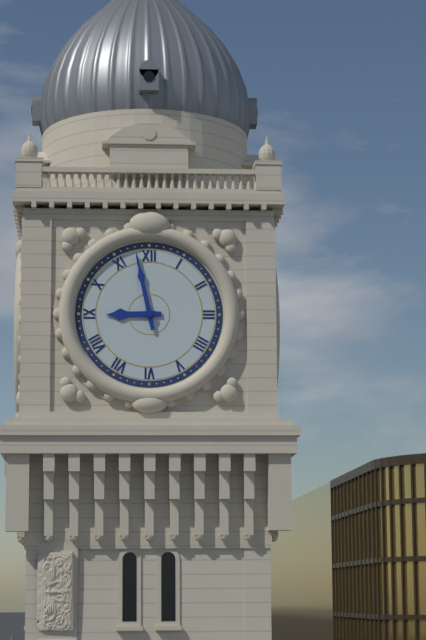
8:58
